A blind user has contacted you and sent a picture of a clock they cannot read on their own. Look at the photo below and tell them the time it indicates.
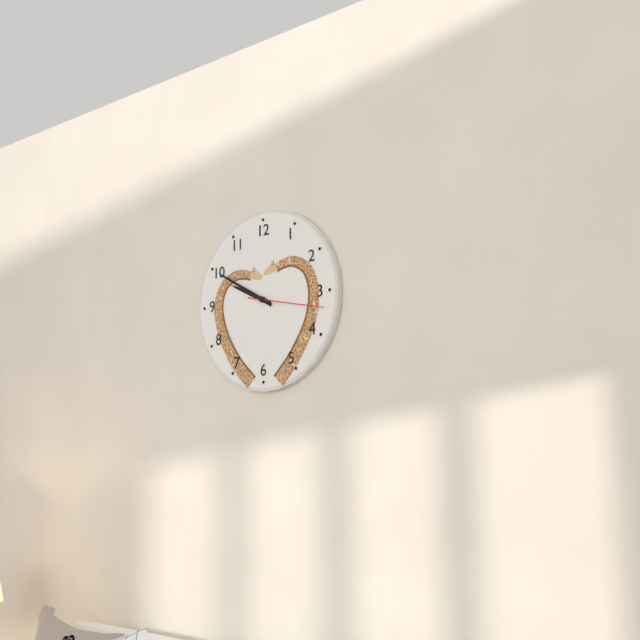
9:50:17
